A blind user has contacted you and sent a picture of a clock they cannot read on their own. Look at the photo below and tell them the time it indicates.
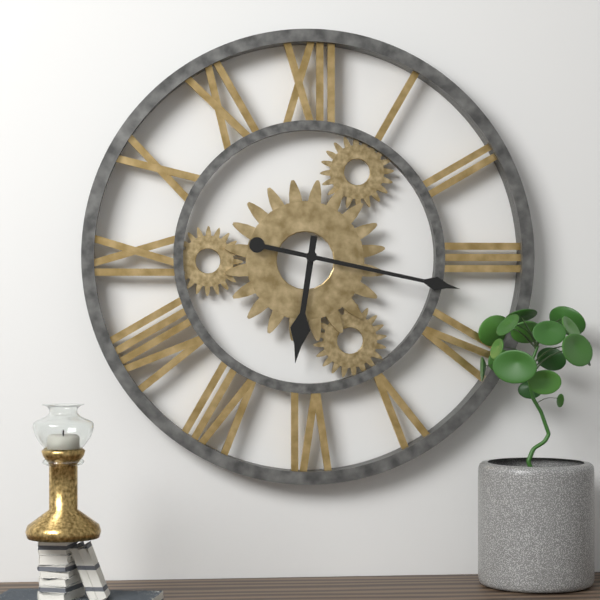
6:17
